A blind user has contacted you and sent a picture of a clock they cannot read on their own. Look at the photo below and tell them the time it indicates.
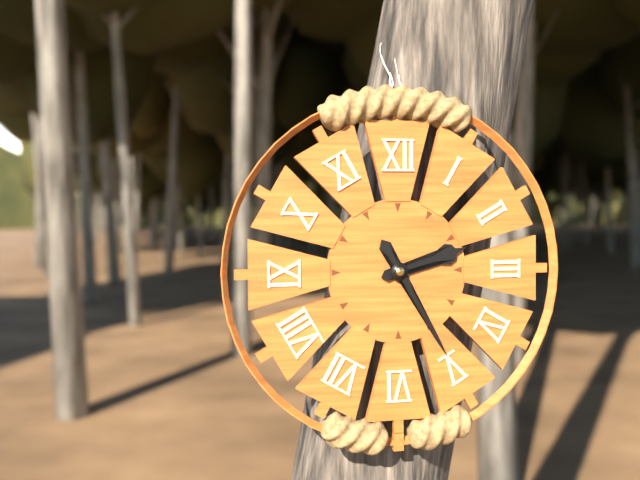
2:25
